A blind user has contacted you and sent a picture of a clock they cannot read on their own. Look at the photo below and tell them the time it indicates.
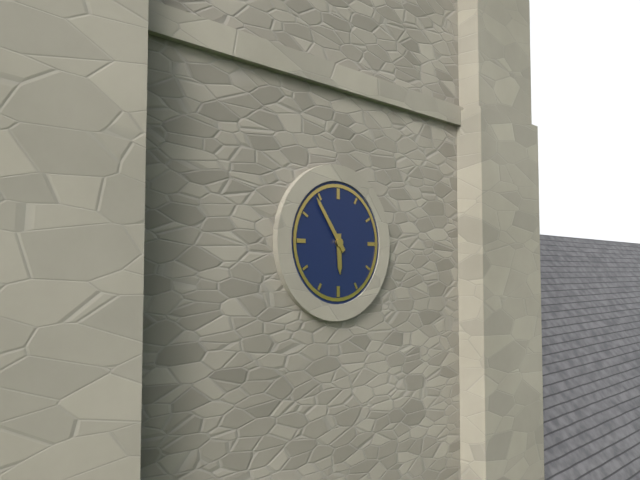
5:54
